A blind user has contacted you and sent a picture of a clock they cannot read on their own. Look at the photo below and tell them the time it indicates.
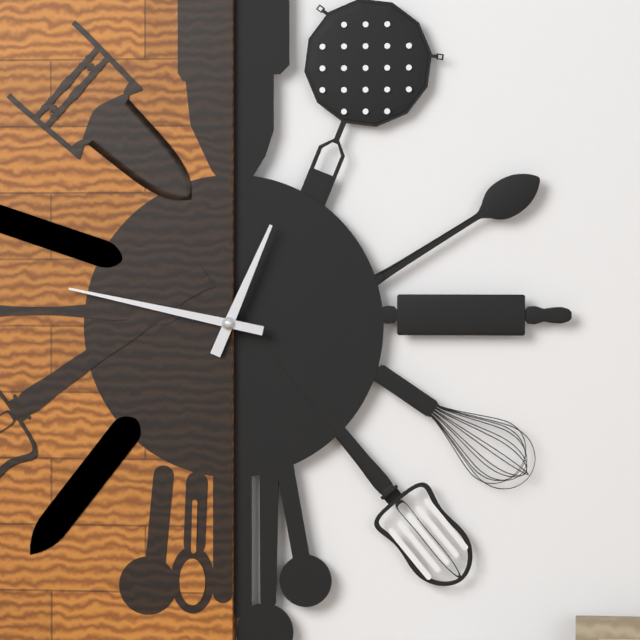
12:47
